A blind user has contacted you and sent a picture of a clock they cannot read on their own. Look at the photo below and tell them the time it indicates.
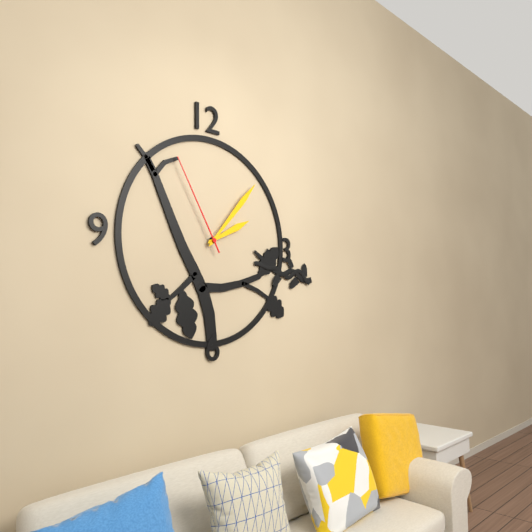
2:07:55
